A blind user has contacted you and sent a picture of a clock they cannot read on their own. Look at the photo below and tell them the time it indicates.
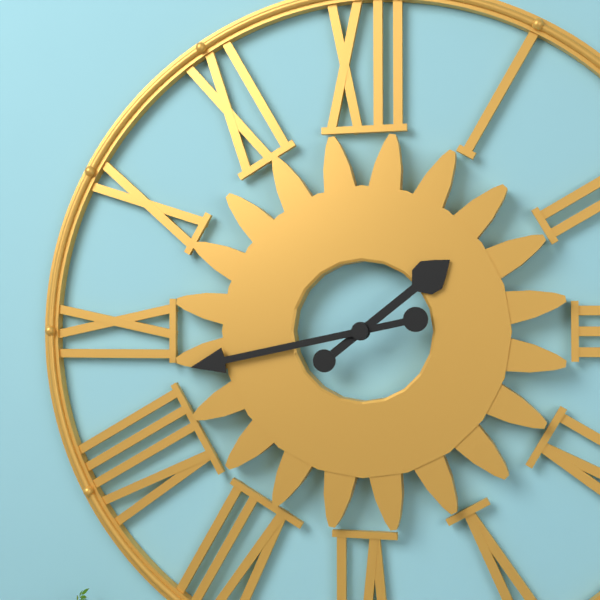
1:43
